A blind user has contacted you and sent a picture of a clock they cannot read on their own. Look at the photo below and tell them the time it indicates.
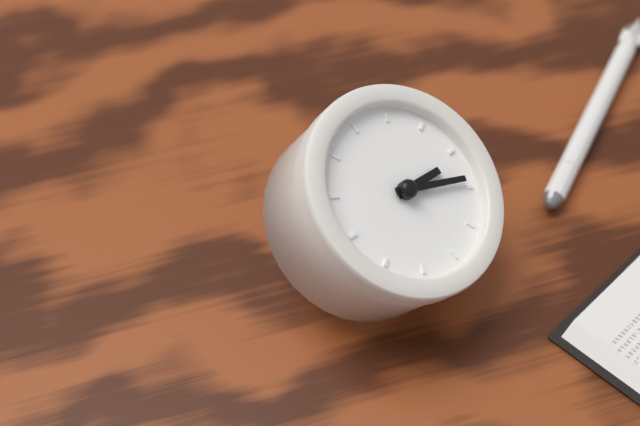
2:14
